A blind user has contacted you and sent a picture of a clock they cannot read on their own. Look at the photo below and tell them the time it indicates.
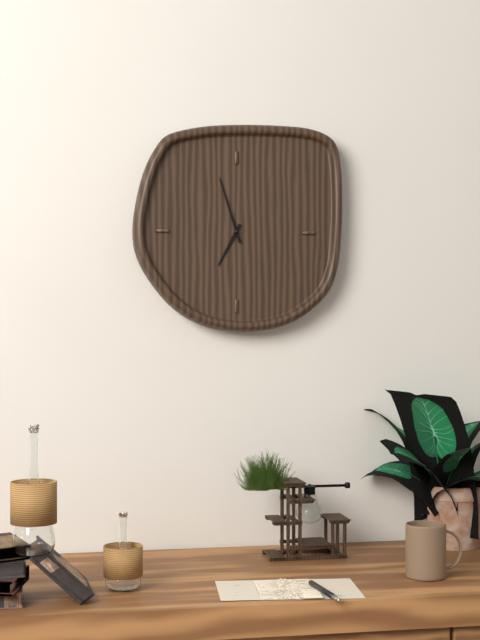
6:57
